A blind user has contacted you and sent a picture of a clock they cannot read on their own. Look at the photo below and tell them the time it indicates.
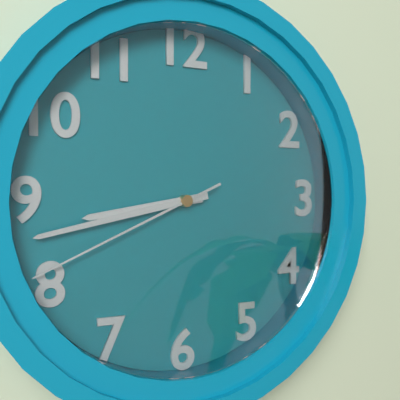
8:43:41
